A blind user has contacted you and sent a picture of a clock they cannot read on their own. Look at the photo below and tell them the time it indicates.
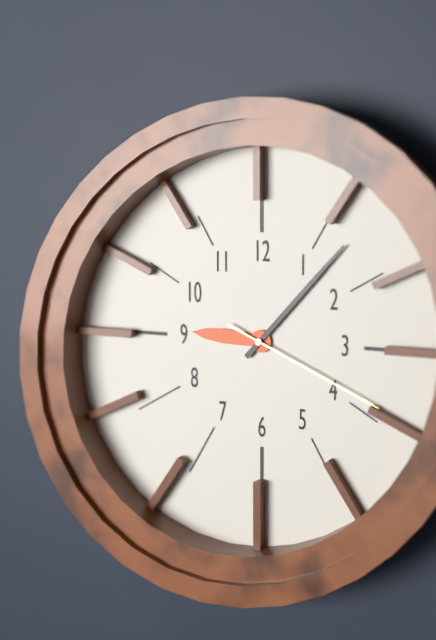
9:07:19
